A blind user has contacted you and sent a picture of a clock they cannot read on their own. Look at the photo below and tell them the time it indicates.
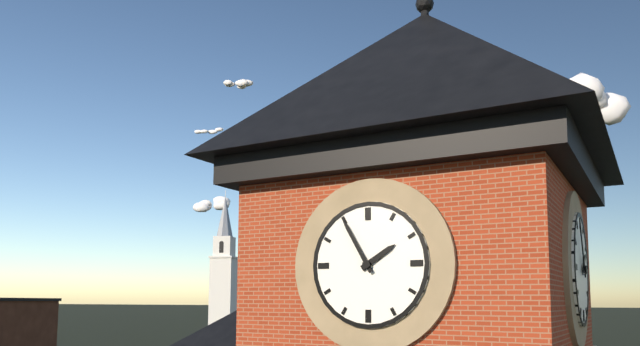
1:55
